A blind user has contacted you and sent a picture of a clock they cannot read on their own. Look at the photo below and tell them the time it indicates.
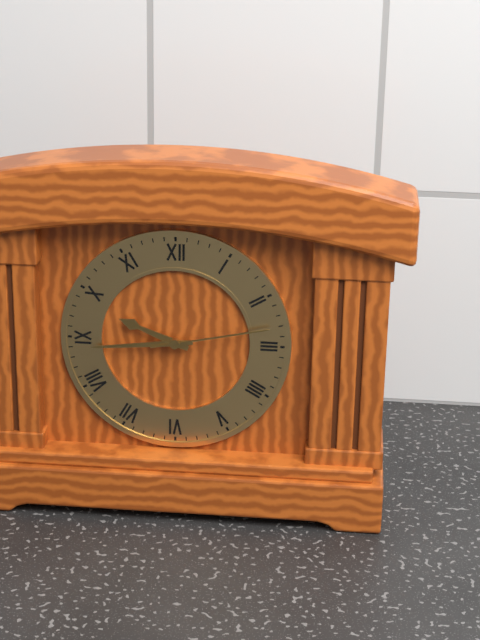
9:44:13
